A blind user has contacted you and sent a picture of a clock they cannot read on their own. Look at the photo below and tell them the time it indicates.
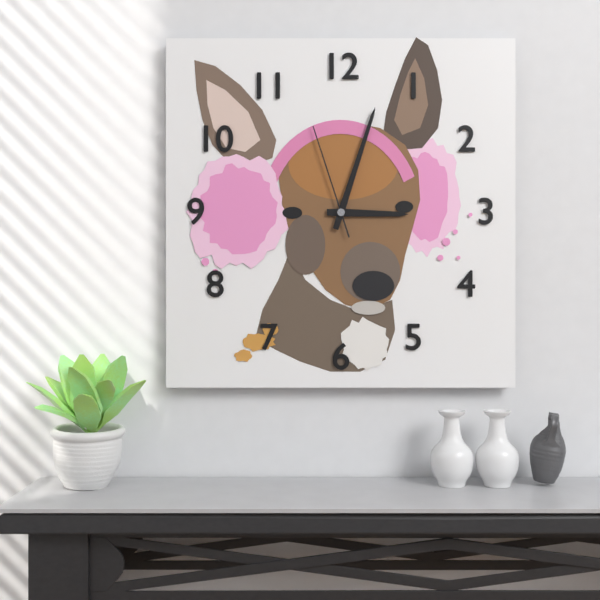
3:03:57
